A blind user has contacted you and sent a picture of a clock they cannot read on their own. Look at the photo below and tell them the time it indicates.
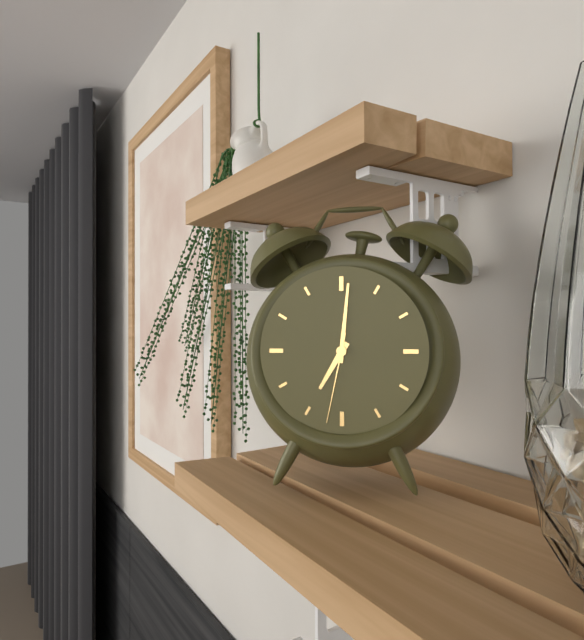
7:01:32
